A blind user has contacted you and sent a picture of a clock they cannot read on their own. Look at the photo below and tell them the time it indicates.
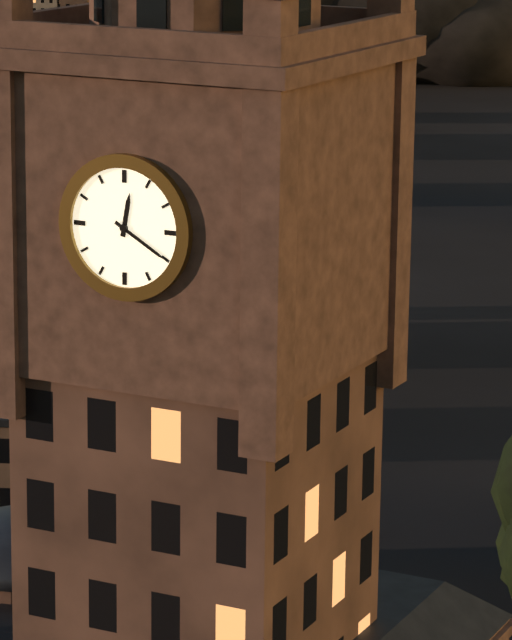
12:20
